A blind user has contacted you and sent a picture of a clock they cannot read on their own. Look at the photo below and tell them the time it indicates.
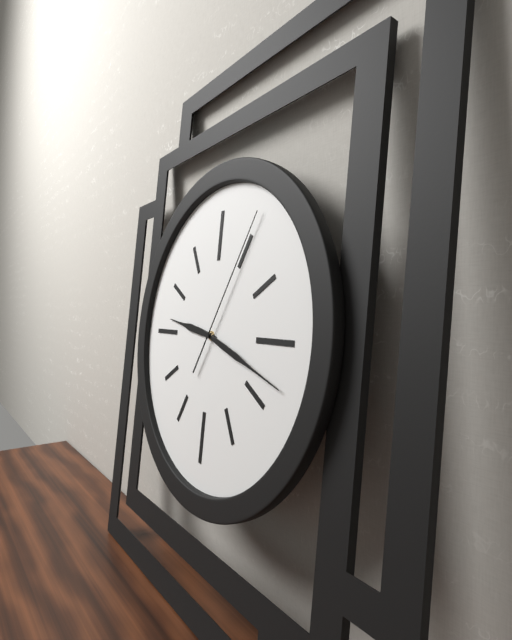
9:18:05
